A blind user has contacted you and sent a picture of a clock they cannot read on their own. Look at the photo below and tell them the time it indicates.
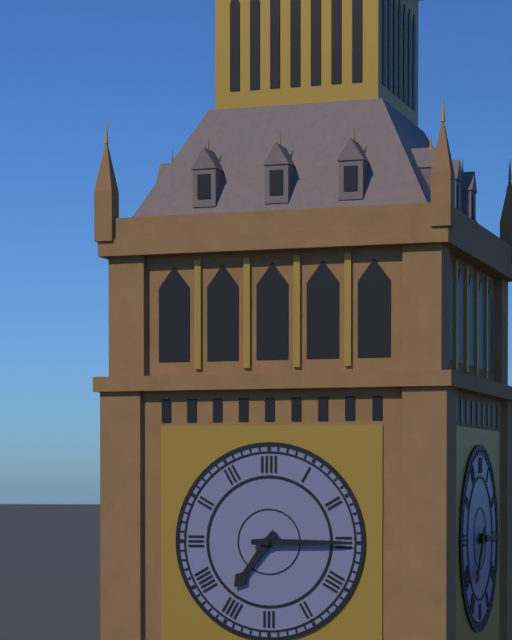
7:15
